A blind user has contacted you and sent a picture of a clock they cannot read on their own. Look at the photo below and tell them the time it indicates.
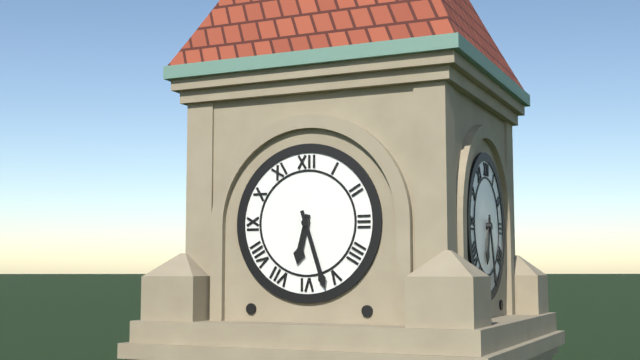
6:27
